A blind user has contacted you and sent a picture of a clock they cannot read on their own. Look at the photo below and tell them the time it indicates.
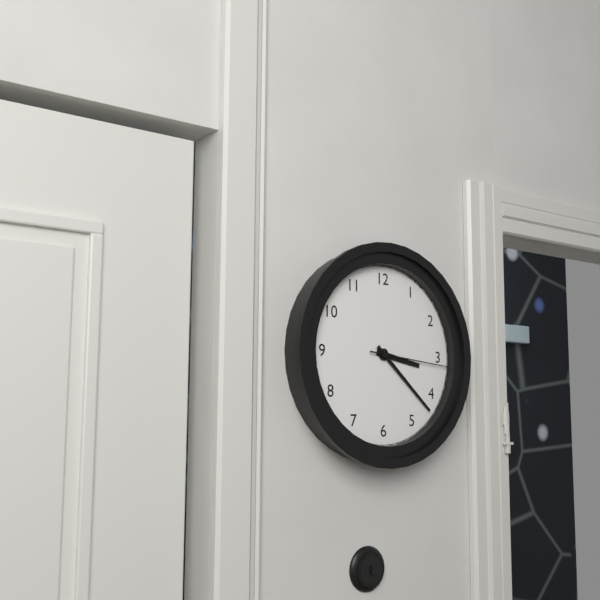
3:22:16
